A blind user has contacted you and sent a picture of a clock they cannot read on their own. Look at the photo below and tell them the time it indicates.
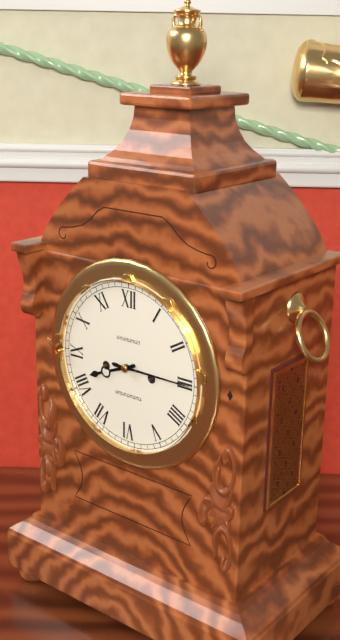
8:15
